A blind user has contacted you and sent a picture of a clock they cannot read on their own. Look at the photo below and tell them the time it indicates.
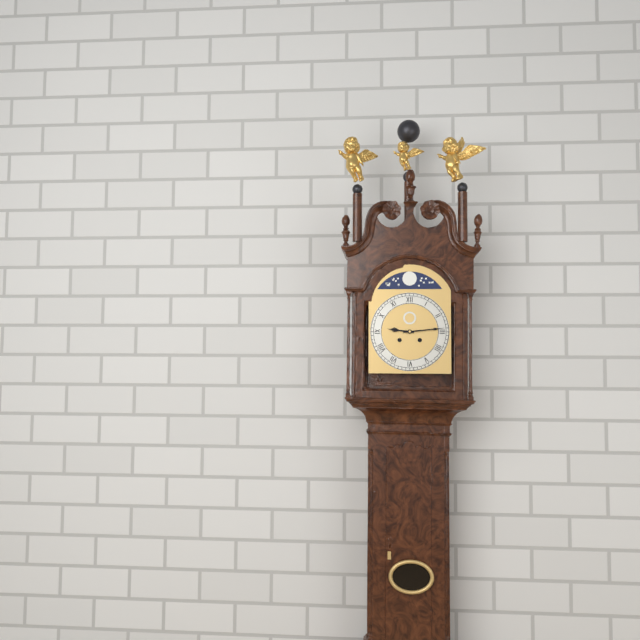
9:14
